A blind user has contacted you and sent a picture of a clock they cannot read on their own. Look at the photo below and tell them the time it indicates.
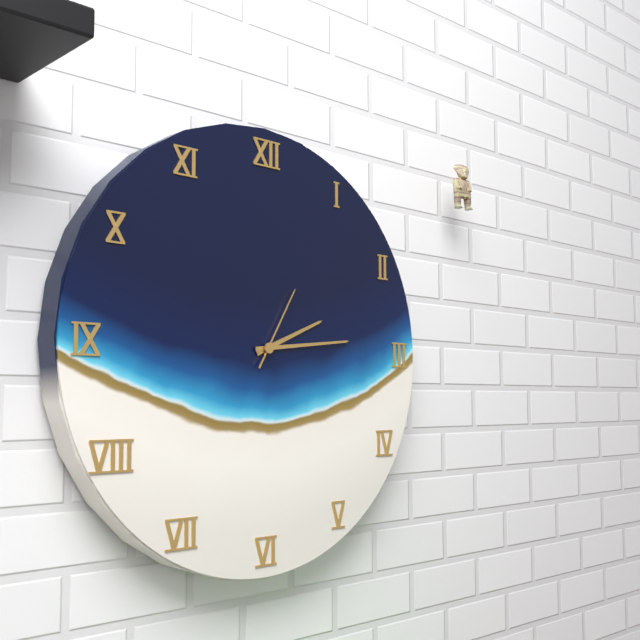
2:14:05
